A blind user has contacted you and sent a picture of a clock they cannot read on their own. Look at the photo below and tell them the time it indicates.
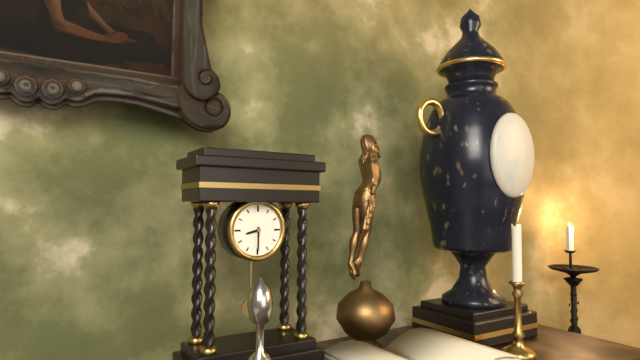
8:30
